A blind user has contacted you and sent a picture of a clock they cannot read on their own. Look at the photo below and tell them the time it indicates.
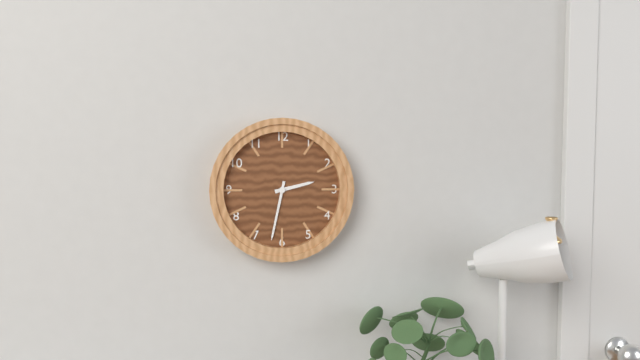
2:32
